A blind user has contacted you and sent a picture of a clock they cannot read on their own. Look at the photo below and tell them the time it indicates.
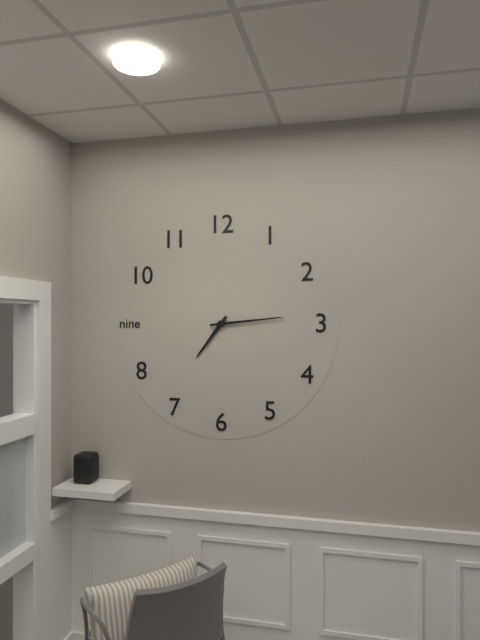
7:14
